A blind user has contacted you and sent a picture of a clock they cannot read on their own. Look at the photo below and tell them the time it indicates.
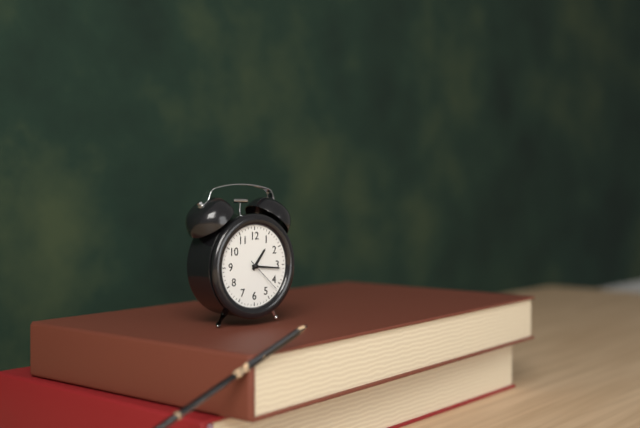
1:16
